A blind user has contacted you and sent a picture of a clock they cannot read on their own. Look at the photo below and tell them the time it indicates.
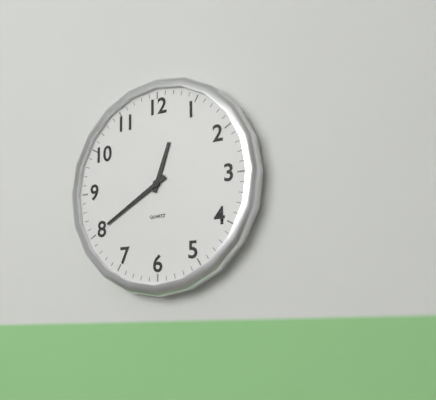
12:40
